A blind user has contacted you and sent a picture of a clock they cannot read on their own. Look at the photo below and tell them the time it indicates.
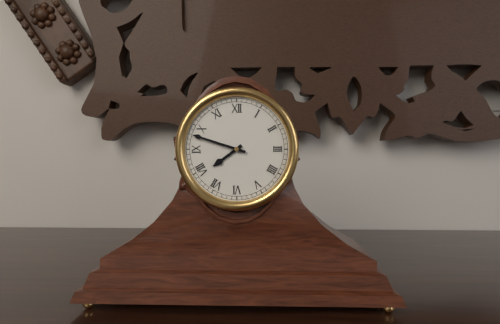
7:48
